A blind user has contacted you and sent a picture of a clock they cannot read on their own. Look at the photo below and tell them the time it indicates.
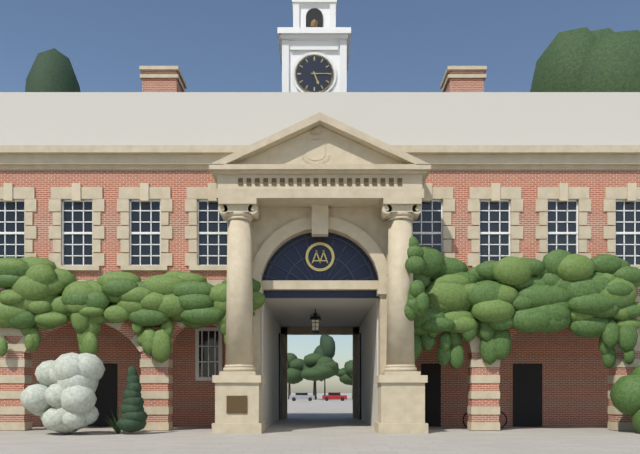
5:15
